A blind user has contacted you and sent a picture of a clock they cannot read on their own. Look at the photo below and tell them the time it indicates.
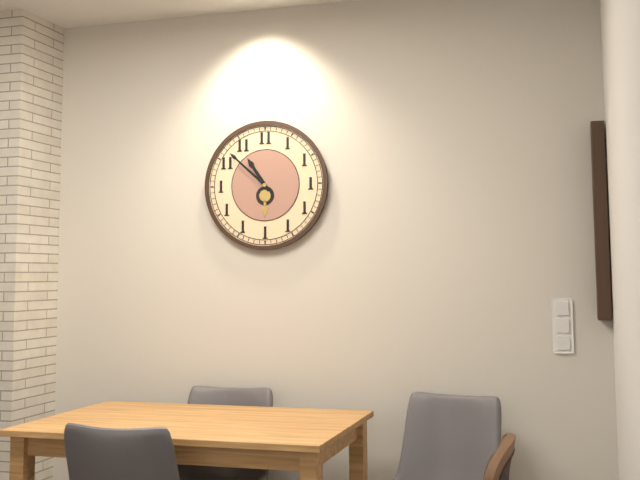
10:52
